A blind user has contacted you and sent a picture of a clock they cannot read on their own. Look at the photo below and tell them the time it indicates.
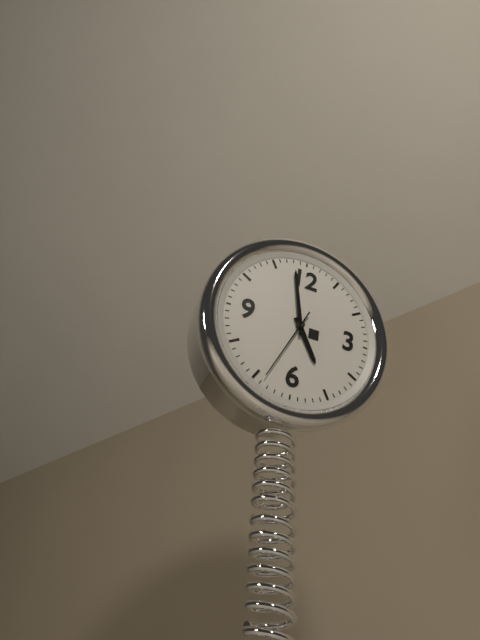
4:58:34
